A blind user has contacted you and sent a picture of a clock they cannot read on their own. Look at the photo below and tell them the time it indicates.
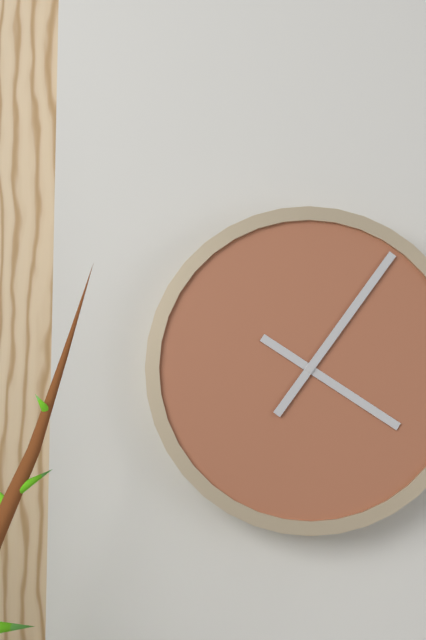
4:06
